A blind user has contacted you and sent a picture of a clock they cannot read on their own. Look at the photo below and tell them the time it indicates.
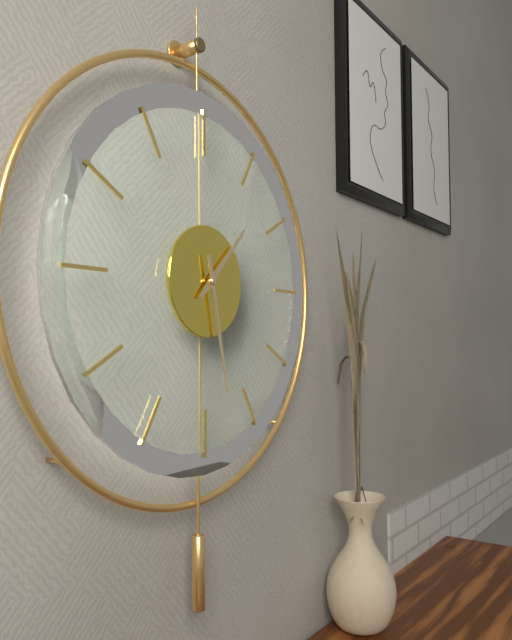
1:28
